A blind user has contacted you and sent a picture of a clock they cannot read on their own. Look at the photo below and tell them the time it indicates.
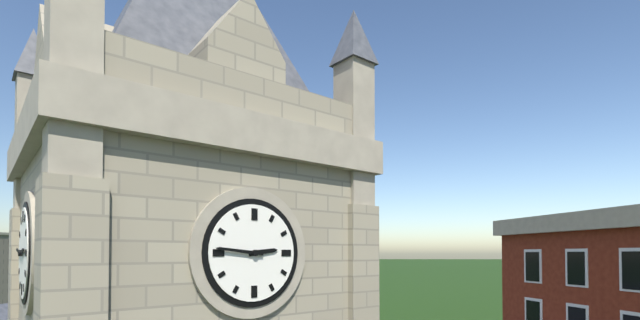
2:46
